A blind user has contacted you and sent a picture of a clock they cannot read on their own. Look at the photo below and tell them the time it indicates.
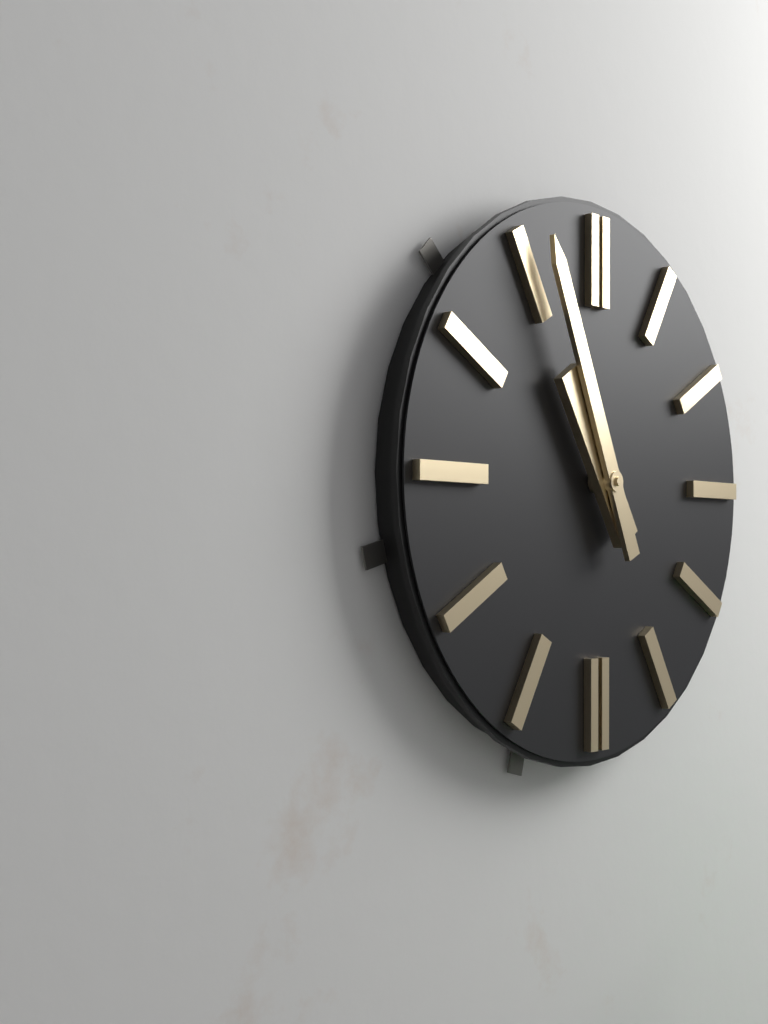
10:56
